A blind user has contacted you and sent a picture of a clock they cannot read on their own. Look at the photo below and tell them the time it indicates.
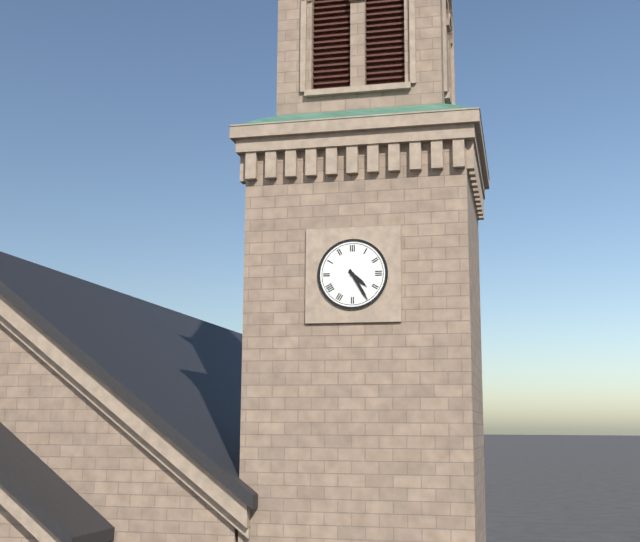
4:25
